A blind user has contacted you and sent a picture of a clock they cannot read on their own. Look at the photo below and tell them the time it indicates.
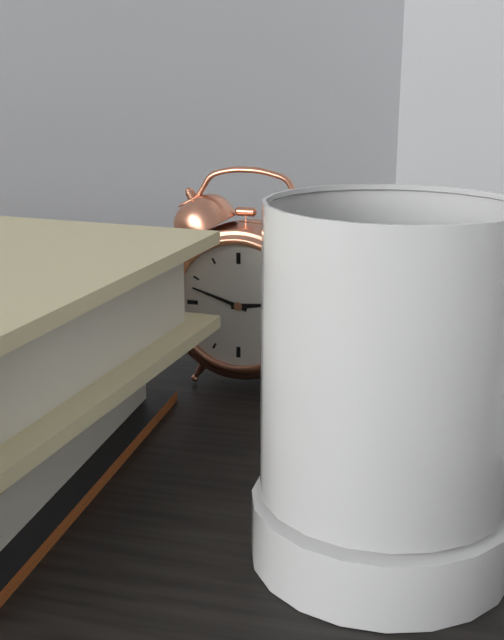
2:48
